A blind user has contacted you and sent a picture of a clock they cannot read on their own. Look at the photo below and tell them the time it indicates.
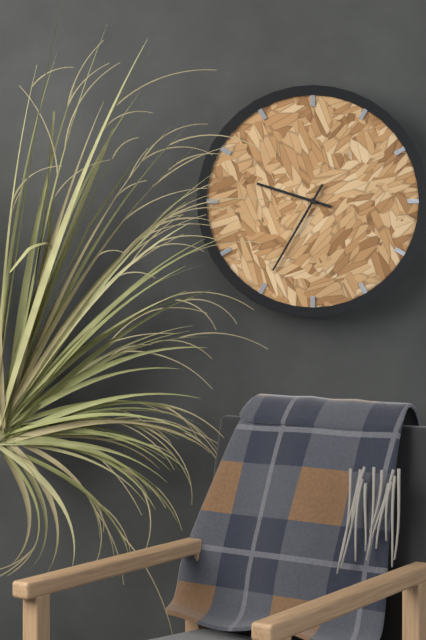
9:35
